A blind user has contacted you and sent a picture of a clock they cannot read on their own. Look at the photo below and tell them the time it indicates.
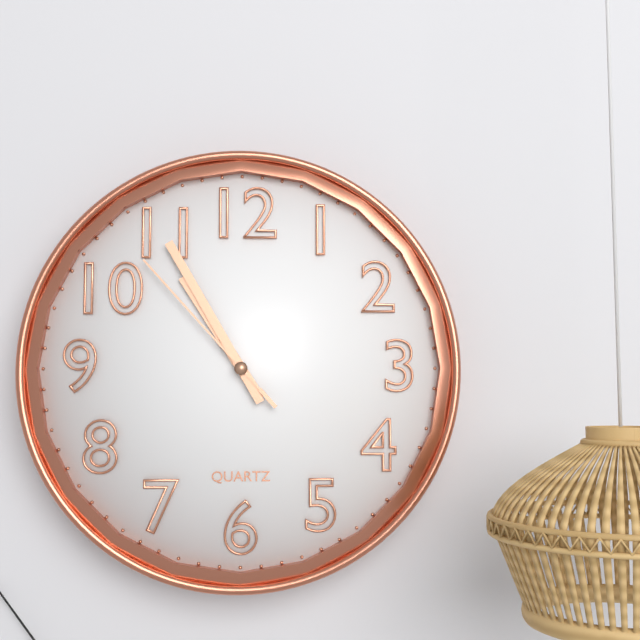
10:55:53
